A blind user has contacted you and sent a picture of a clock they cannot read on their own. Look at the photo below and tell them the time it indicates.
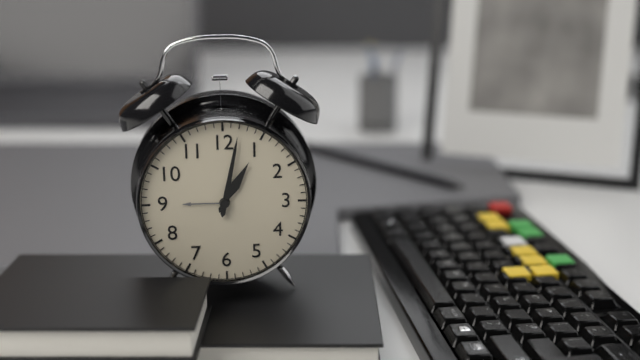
1:02
